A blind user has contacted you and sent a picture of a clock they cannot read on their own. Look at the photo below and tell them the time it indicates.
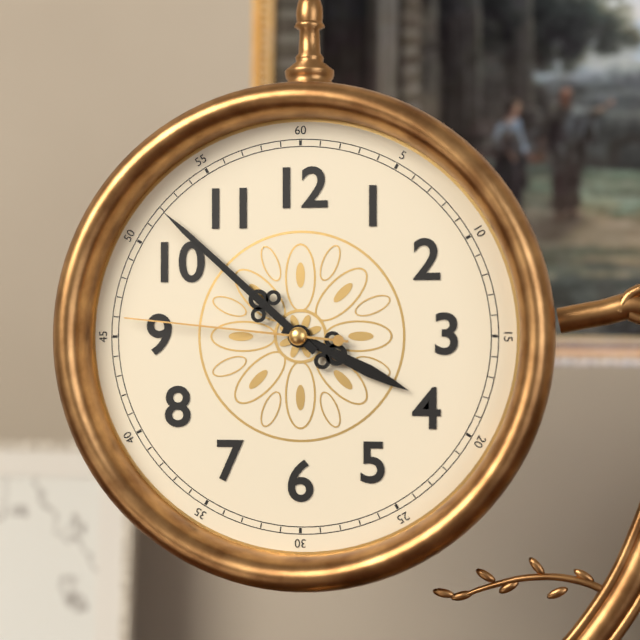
3:52:46
